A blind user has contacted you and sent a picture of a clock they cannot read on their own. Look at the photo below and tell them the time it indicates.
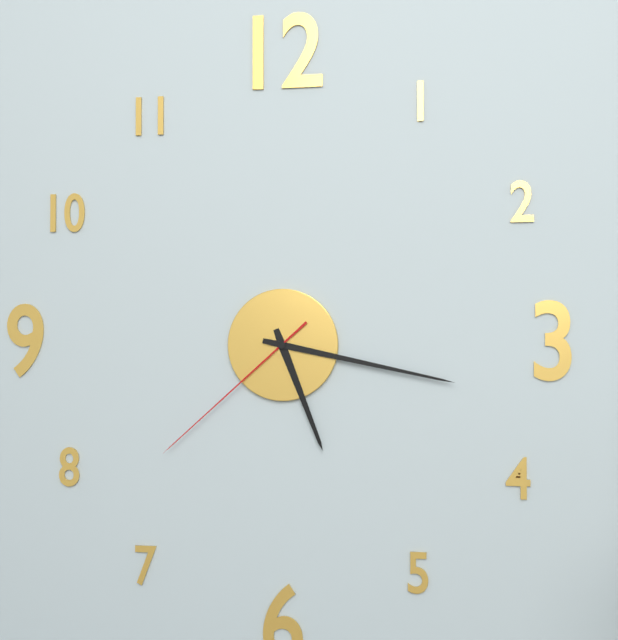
5:17:38
